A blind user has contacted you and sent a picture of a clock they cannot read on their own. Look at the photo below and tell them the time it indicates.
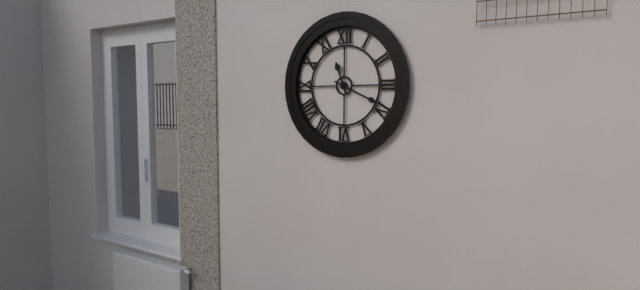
11:19
